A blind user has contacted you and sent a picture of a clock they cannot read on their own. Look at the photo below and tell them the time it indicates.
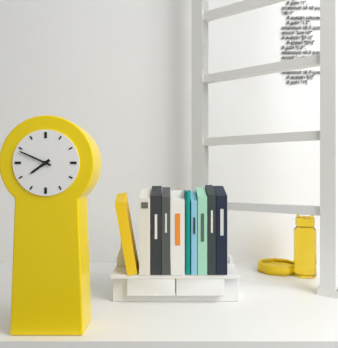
7:49
